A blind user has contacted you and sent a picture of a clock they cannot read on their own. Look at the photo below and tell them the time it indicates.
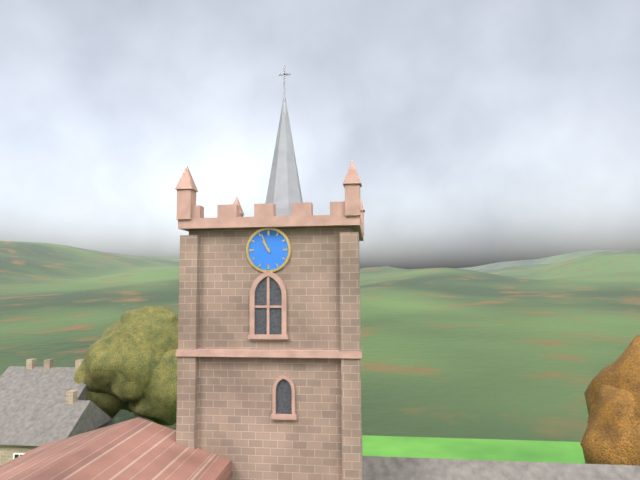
10:56
